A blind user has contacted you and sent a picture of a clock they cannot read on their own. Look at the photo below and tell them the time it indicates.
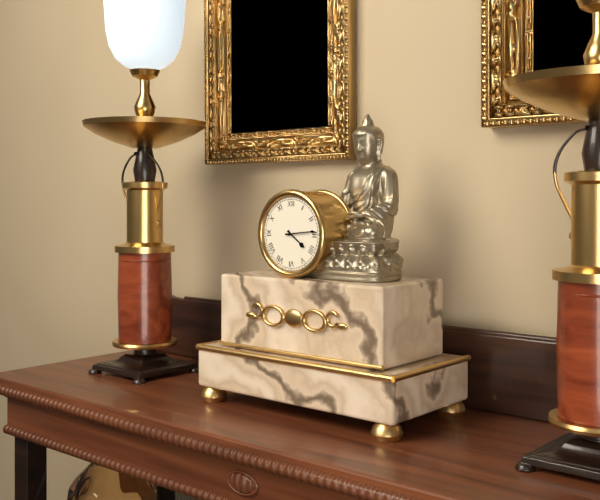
4:14
